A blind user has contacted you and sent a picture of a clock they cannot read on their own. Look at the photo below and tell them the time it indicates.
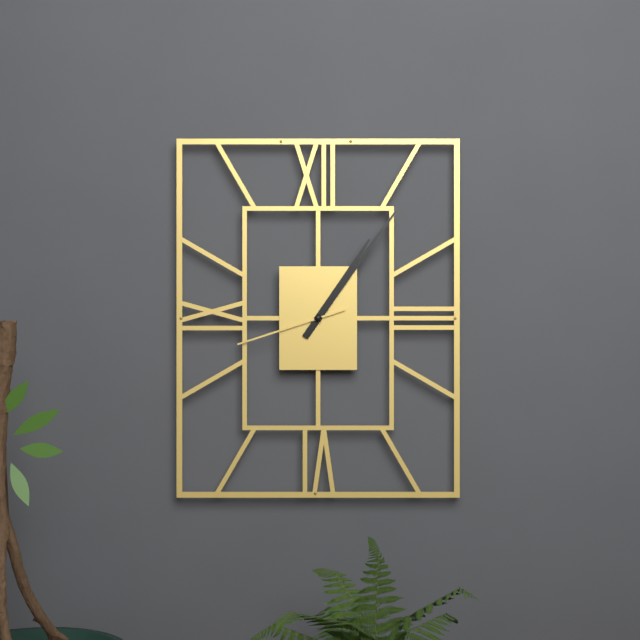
1:06:42
